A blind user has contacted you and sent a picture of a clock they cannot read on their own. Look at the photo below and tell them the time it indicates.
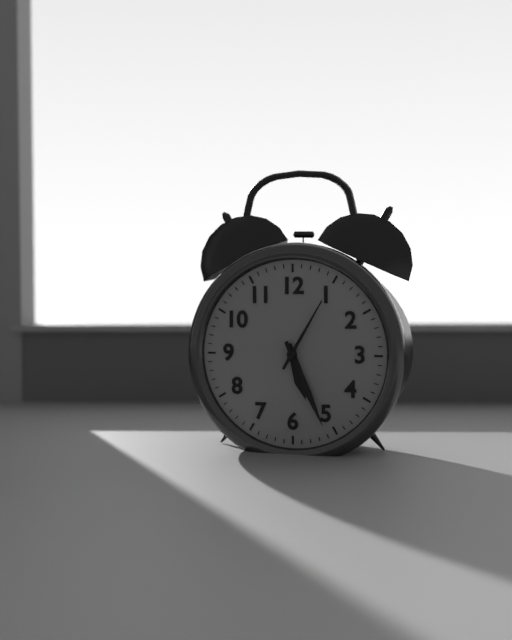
5:26:05
